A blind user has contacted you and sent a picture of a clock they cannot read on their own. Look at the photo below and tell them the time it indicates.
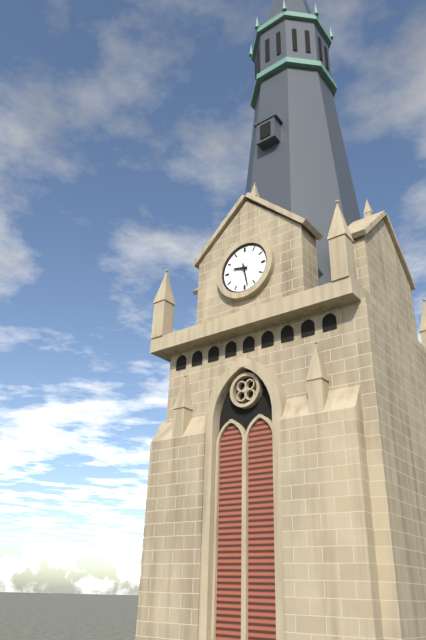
9:28
